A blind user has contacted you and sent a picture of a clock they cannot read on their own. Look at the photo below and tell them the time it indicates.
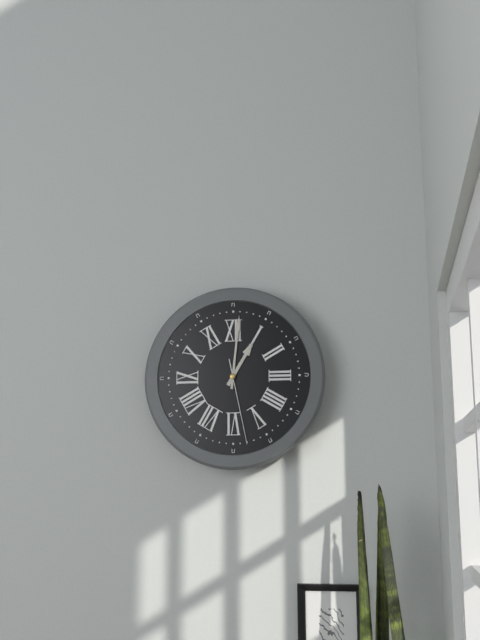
1:01:28
